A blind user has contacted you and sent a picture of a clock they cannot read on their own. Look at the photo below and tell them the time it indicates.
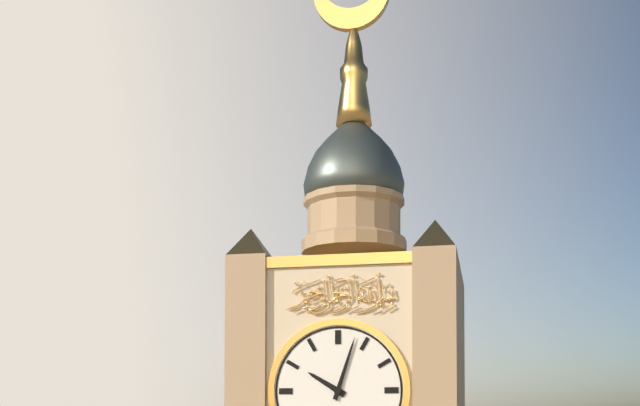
10:03
